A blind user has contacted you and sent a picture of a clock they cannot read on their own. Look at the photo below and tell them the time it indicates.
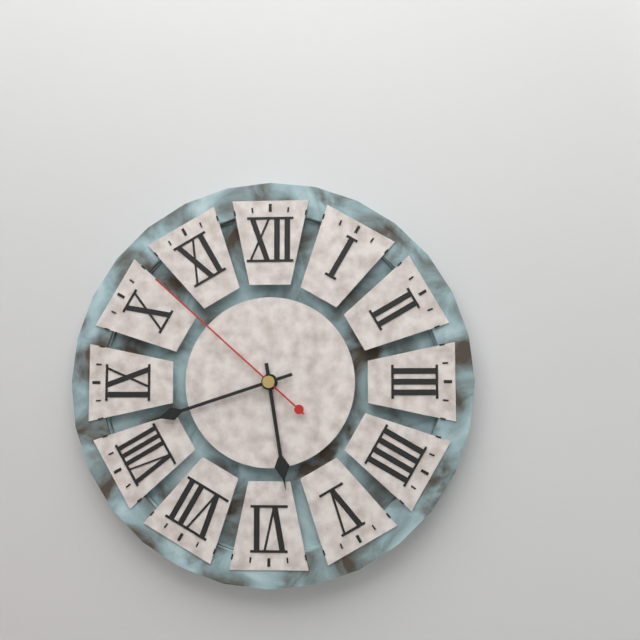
5:42:52
